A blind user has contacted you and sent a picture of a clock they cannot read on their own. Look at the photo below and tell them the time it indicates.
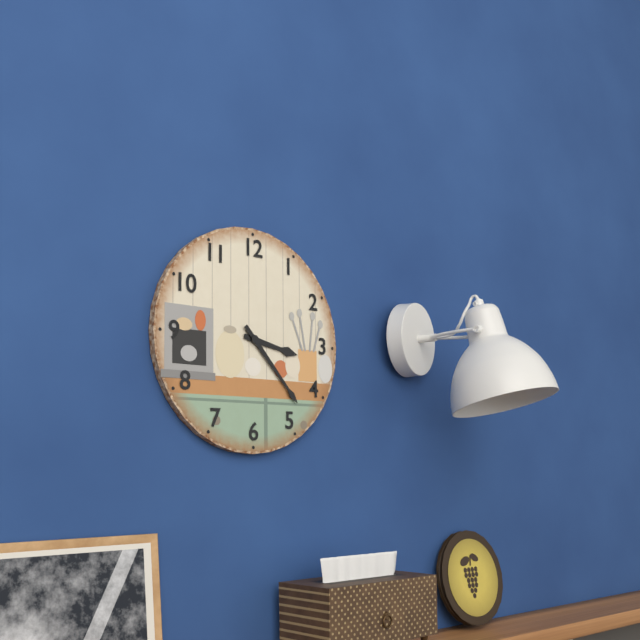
3:23
